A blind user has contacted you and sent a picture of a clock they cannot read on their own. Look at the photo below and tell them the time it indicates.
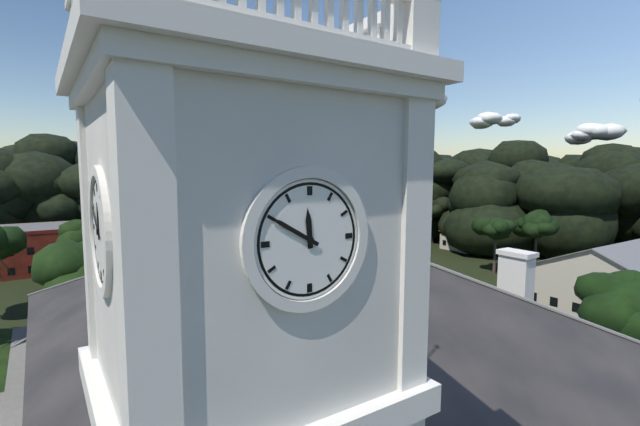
11:50
